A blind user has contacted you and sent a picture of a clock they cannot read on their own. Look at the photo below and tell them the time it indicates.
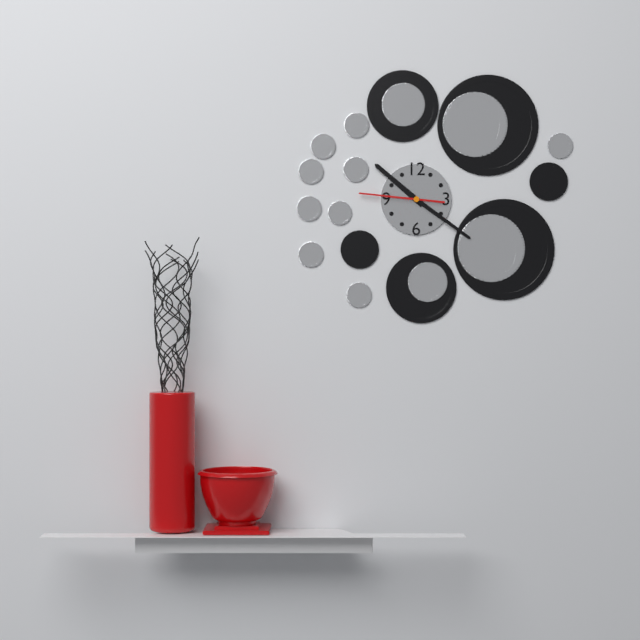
10:21:46
